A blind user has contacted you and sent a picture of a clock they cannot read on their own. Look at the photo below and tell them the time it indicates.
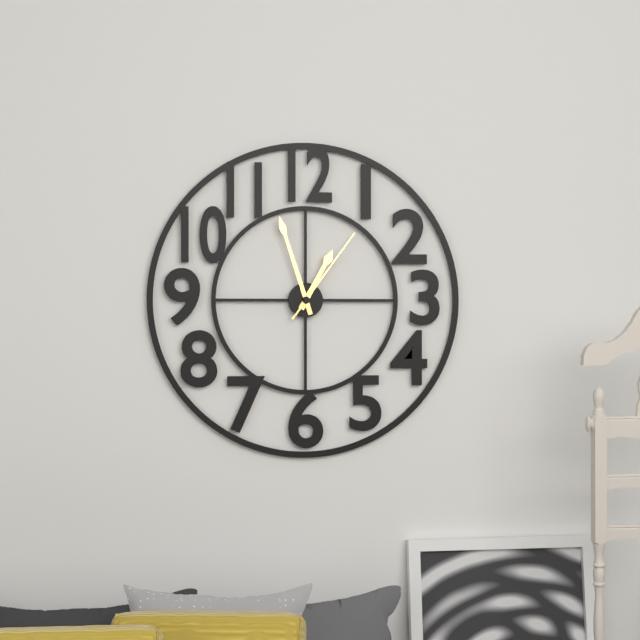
12:57:06
